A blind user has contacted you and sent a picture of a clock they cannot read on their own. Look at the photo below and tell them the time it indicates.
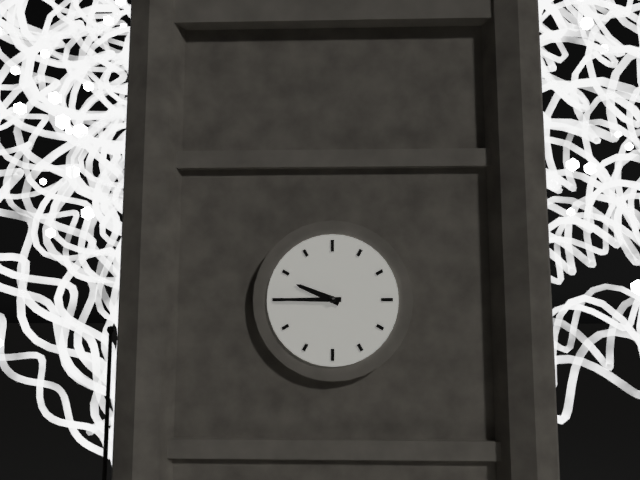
9:45
